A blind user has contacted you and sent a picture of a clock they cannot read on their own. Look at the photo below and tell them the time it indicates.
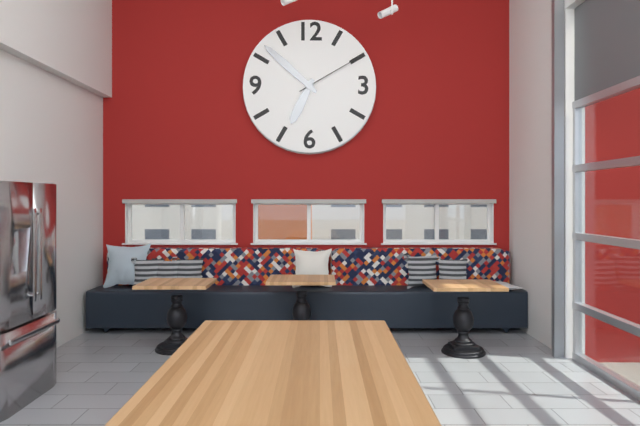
6:52:10
